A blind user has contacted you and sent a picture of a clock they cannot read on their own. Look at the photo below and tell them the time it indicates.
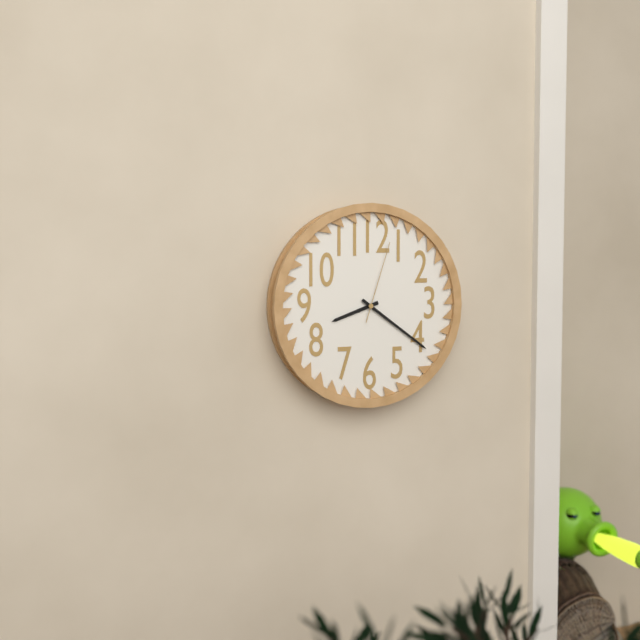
8:21:03
